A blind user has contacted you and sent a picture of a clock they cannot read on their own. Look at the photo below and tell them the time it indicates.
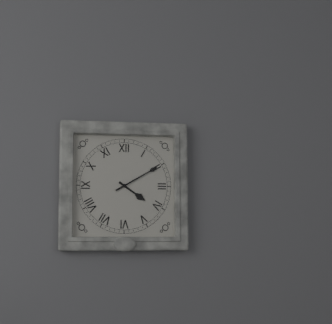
4:10
